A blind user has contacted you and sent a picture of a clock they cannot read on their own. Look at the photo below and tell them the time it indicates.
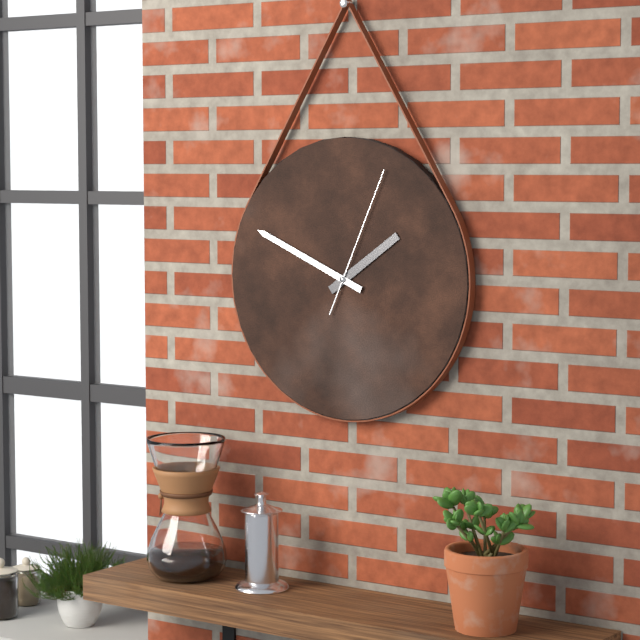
1:49:04
